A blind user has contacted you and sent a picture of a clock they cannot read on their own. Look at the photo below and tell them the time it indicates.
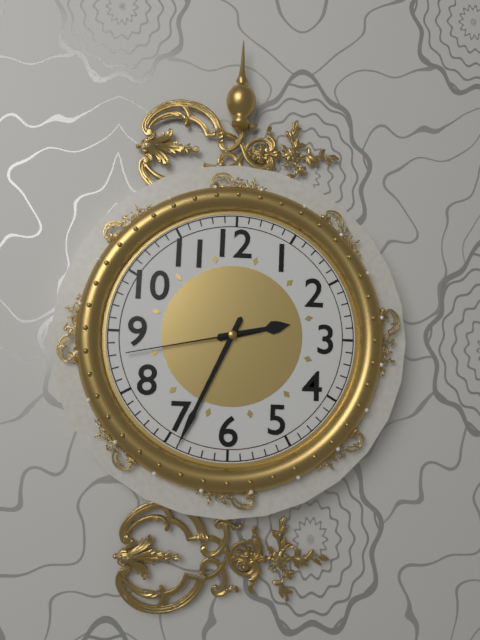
2:34:43
